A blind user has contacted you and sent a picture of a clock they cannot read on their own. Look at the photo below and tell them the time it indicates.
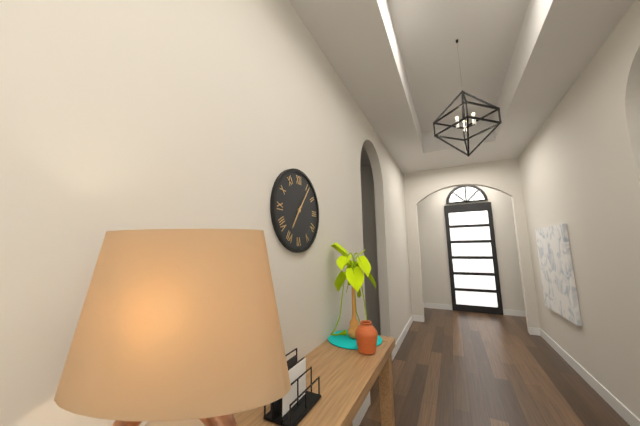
7:06
